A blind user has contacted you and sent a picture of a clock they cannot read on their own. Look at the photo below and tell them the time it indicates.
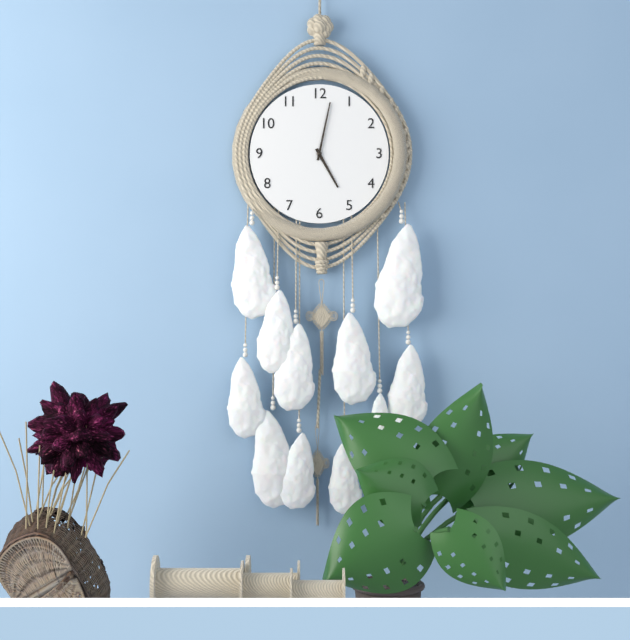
5:02
